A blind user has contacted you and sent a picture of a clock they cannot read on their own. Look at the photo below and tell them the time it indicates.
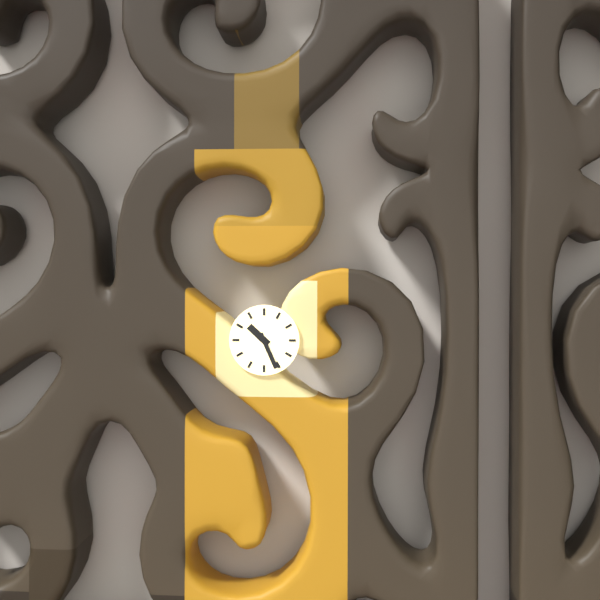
10:26
